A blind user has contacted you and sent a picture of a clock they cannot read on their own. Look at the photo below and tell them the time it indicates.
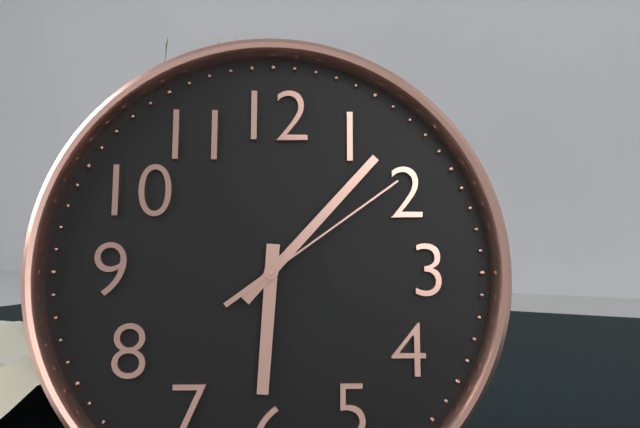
6:07:09
